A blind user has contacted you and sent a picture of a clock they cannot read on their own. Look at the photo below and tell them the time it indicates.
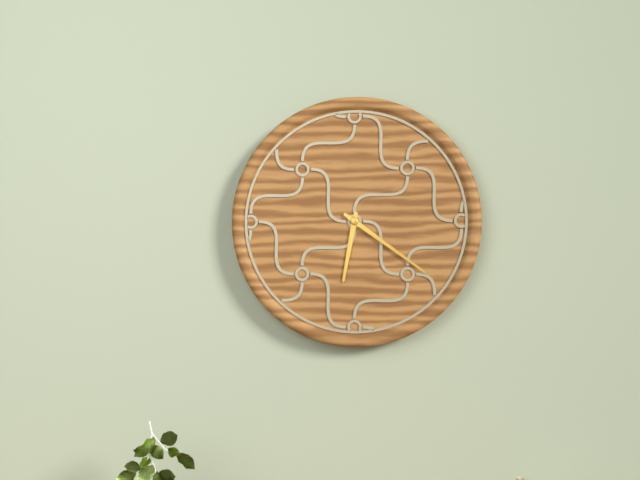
6:21
